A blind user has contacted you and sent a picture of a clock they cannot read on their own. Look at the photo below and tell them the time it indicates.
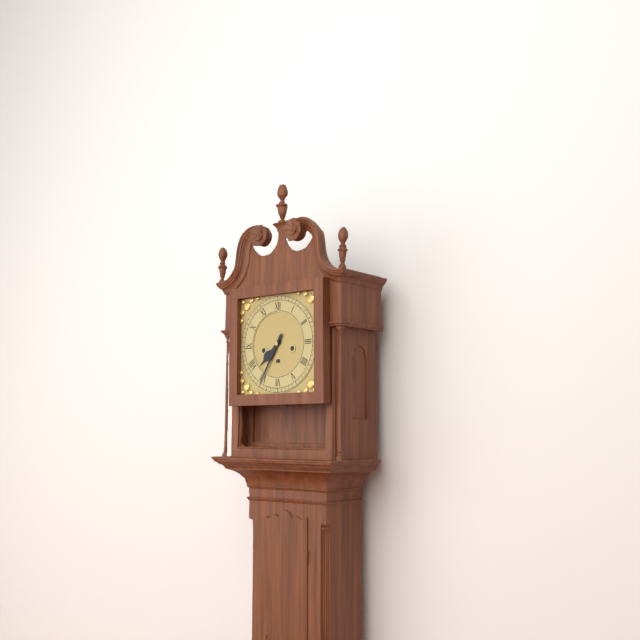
7:35
